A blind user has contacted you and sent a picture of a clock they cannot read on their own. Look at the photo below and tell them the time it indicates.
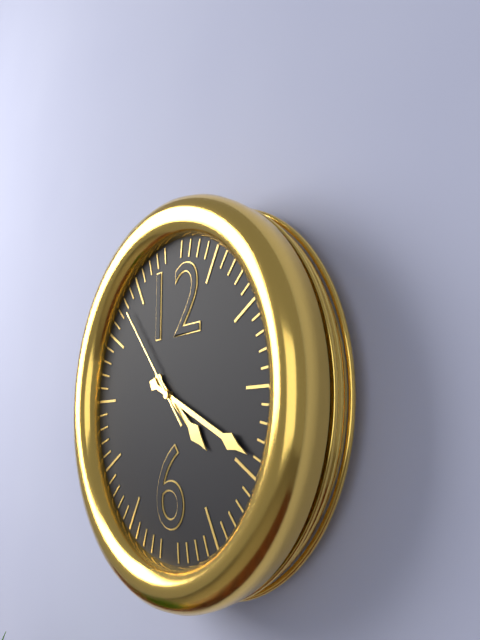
4:19:53
